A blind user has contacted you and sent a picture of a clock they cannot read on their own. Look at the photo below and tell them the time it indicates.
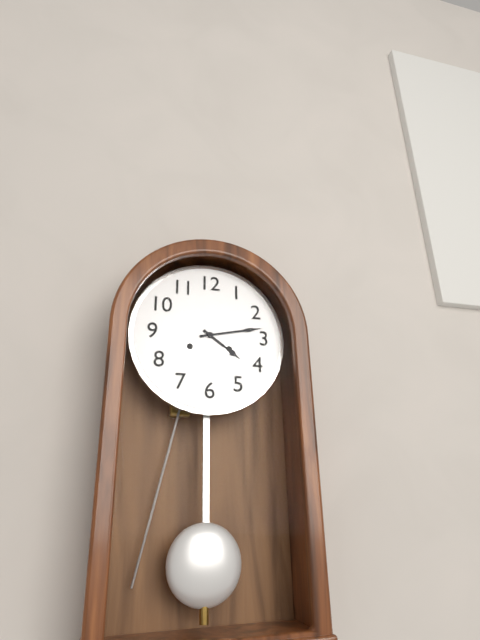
4:13
